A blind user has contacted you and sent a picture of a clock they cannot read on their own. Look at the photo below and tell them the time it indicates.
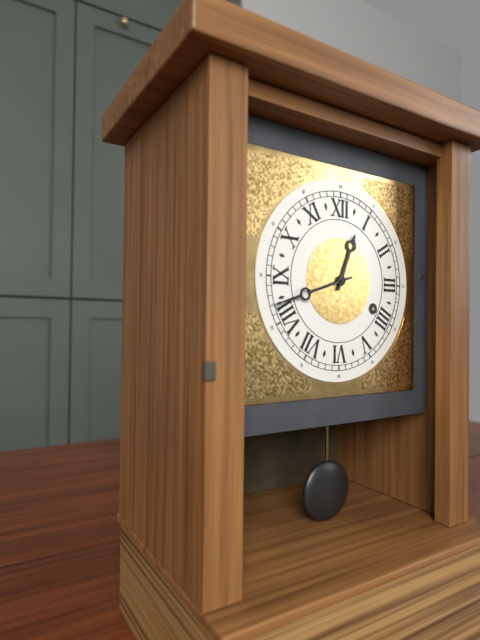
12:42
